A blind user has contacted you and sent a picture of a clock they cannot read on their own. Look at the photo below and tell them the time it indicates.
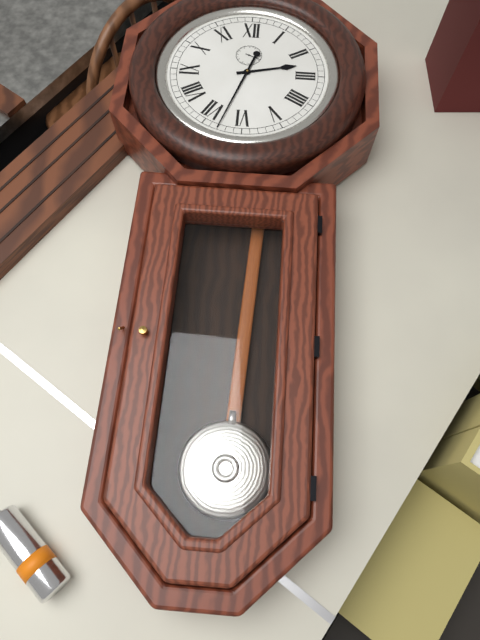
2:33
